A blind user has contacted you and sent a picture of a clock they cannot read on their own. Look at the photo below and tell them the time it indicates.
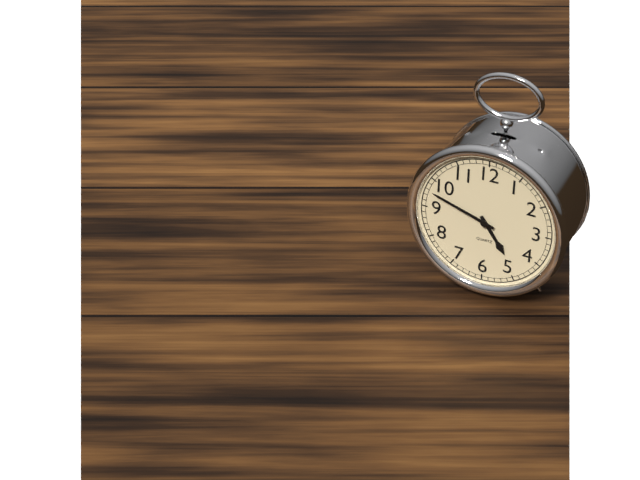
4:48
